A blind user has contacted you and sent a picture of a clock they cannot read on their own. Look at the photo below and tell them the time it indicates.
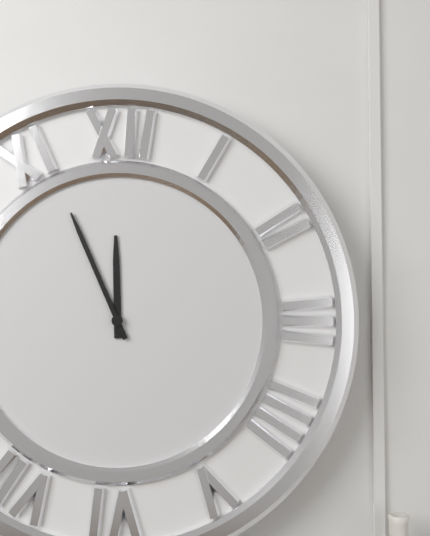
11:56
